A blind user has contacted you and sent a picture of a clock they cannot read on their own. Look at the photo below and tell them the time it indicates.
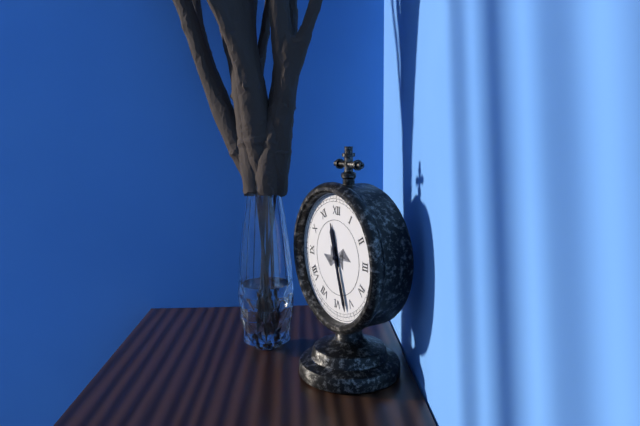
11:27
